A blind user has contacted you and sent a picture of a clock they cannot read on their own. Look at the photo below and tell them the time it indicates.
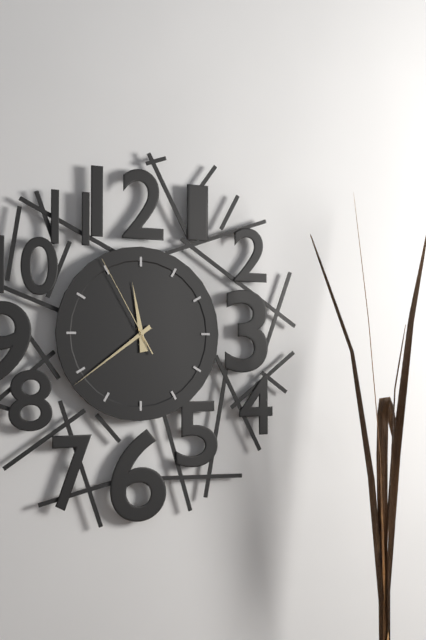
11:39:55
